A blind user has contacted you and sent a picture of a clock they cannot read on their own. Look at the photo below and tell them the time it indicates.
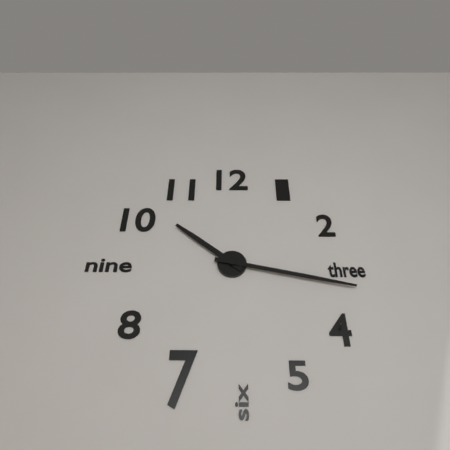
10:17
